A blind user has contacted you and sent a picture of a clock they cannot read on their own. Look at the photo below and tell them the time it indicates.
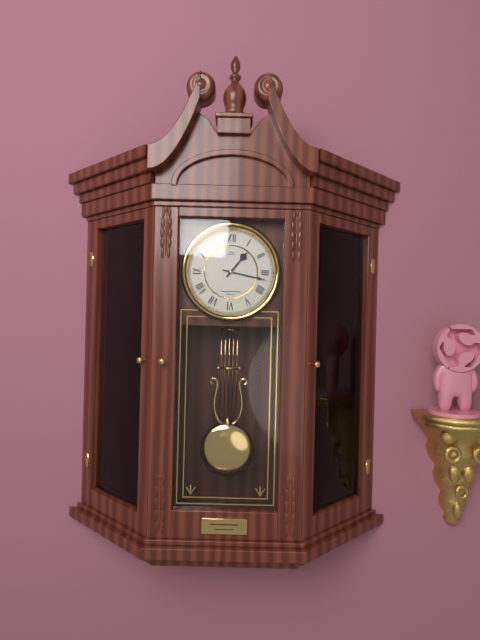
1:17
